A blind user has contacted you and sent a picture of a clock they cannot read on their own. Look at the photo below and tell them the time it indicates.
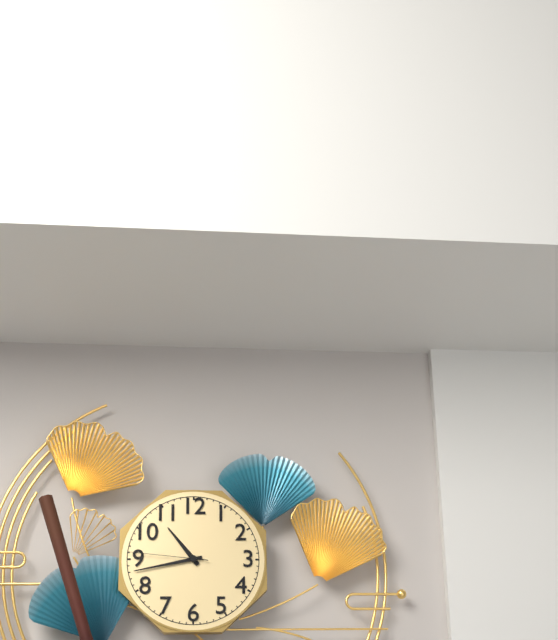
10:43:46
